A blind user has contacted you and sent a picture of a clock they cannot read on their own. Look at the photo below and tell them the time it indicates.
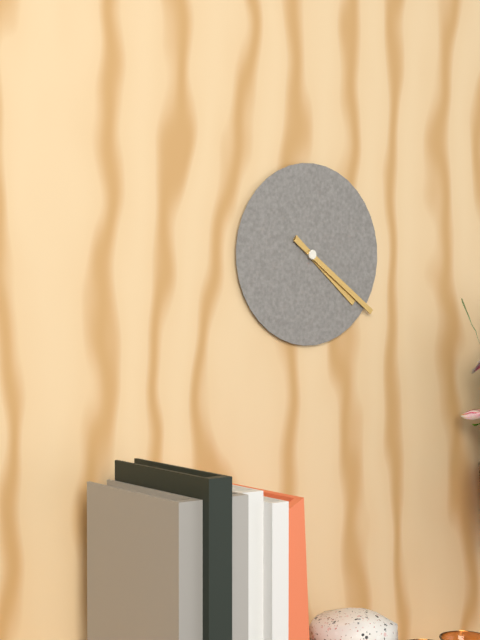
4:21
